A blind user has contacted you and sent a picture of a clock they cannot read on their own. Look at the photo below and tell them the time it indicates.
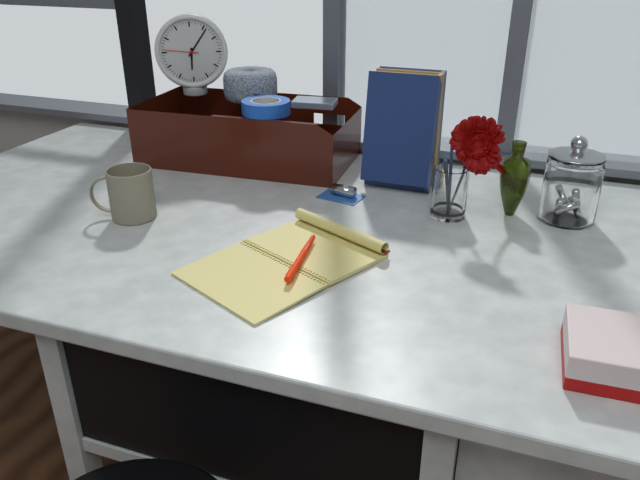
6:06
